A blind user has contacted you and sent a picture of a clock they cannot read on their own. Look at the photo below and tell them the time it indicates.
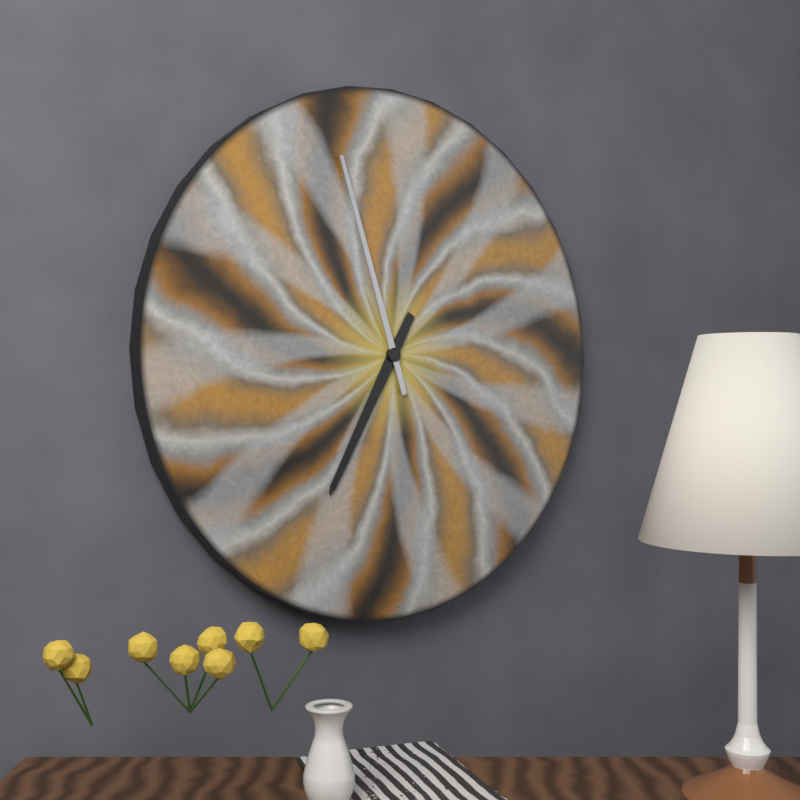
6:57
